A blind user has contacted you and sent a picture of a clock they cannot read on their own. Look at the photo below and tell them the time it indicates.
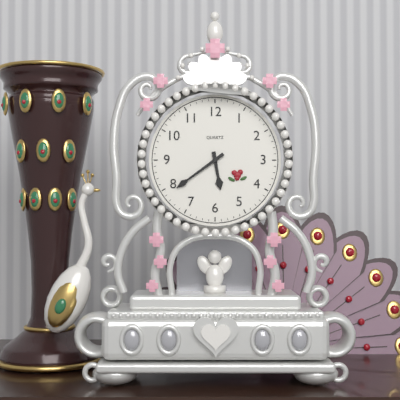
5:39
